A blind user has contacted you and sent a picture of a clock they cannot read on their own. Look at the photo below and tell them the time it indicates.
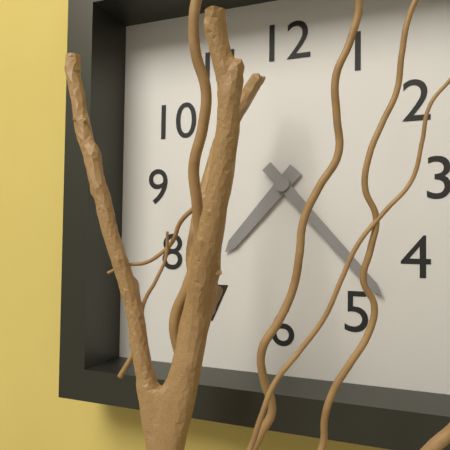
7:23
